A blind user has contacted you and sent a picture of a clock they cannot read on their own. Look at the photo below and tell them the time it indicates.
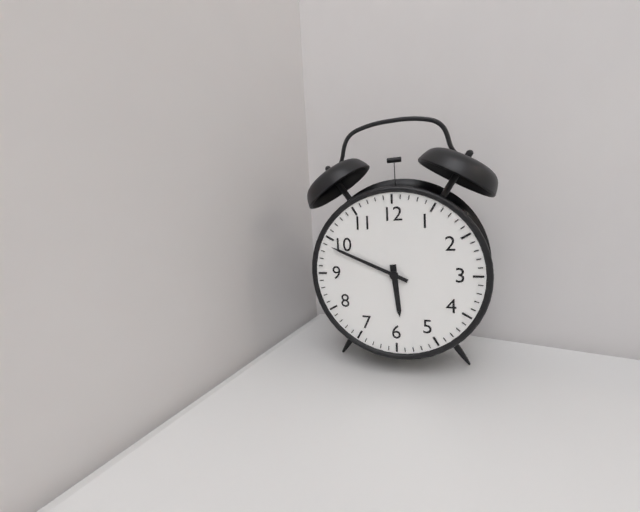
5:49
